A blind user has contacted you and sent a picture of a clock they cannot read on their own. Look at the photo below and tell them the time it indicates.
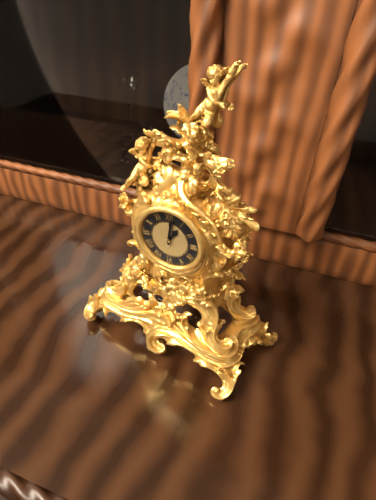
1:01
